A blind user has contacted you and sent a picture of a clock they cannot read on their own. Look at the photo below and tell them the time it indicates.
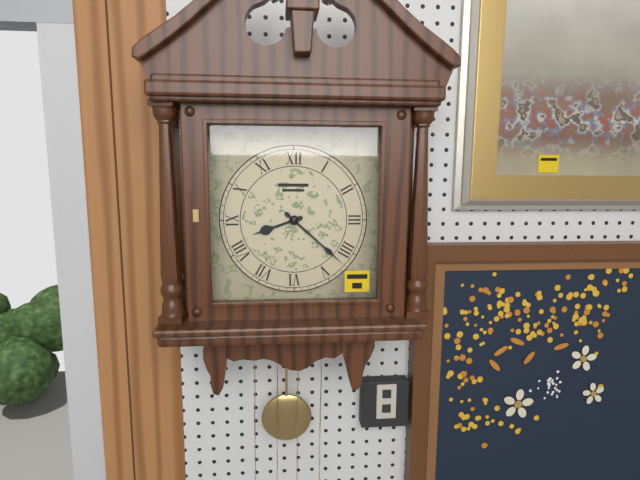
8:22
